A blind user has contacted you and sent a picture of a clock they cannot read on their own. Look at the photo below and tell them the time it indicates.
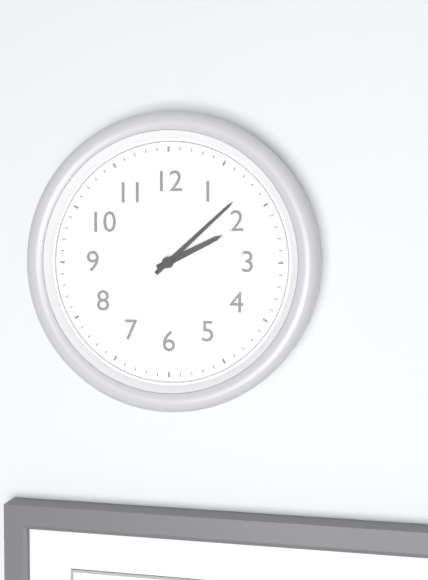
2:08
